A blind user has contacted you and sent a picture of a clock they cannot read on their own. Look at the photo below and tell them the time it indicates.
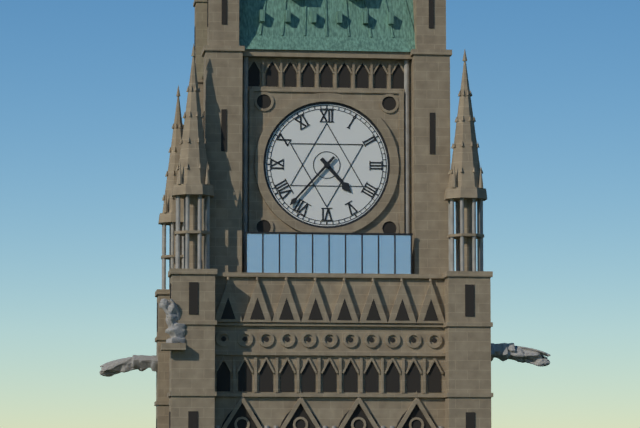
4:37
